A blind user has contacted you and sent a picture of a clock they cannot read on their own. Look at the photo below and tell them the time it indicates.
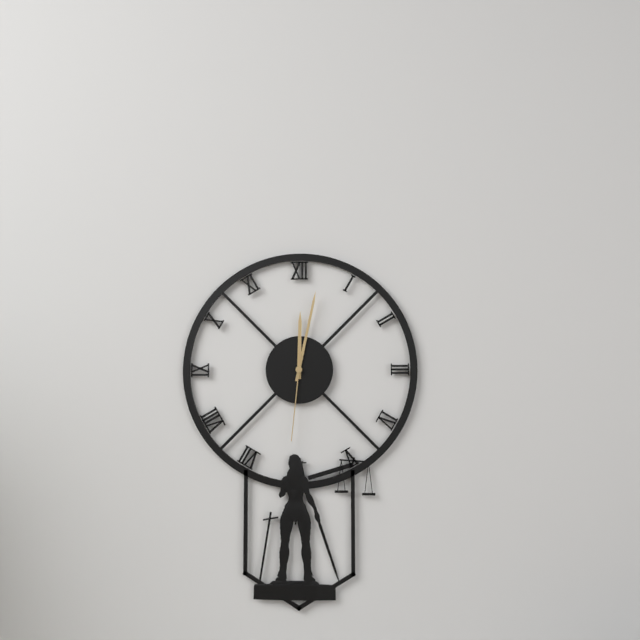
12:02:31
